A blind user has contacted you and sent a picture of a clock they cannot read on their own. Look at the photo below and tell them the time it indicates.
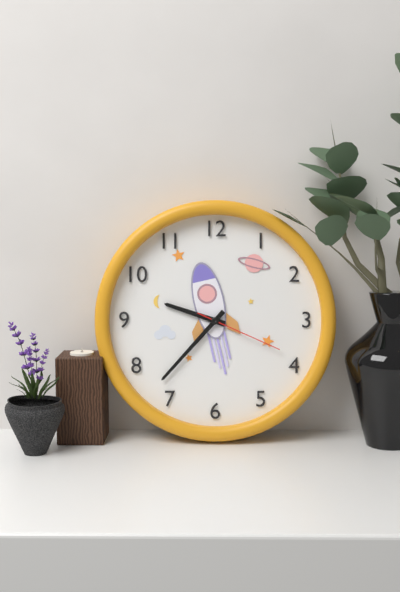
9:37:19
